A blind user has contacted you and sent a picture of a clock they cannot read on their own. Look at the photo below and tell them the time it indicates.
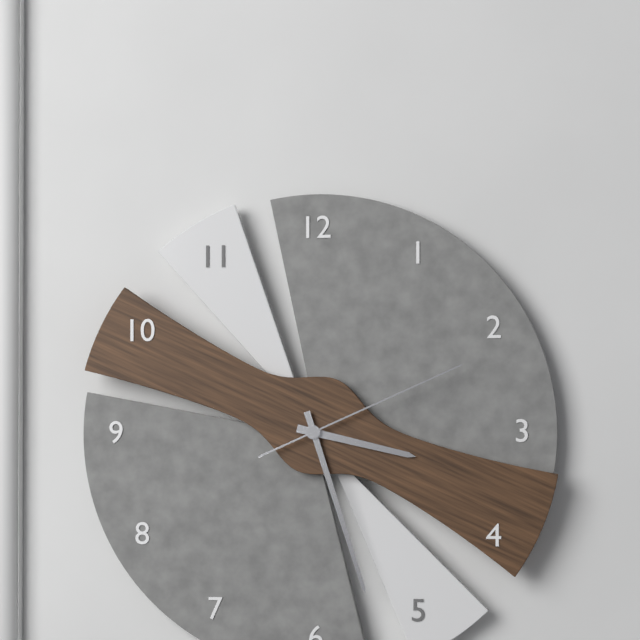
3:27:11
